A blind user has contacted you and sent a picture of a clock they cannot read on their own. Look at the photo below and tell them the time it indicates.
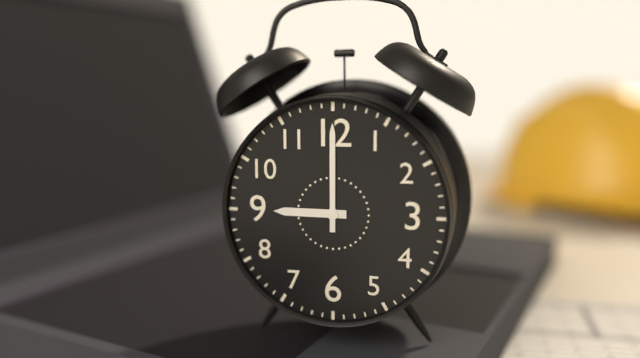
9:00
